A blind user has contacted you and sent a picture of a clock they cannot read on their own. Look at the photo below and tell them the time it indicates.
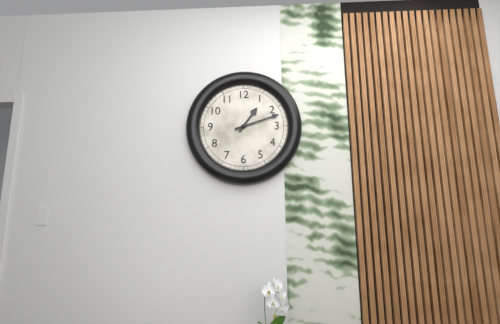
1:12
